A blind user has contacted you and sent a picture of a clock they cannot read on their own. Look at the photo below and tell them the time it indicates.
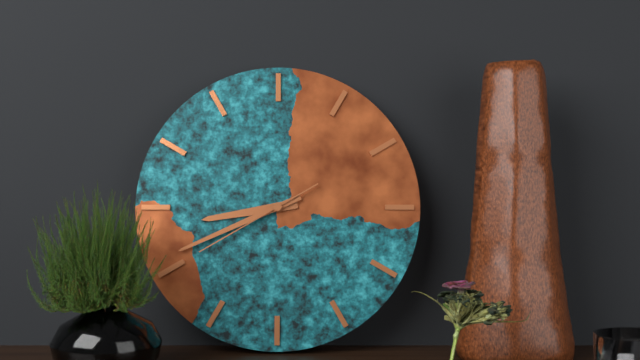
8:41:40
